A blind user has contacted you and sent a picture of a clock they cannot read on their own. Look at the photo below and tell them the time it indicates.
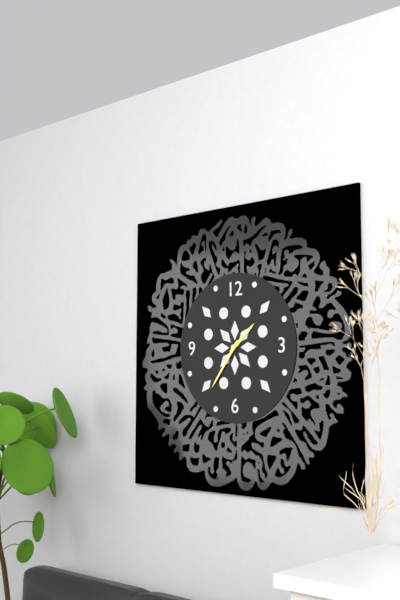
1:36
